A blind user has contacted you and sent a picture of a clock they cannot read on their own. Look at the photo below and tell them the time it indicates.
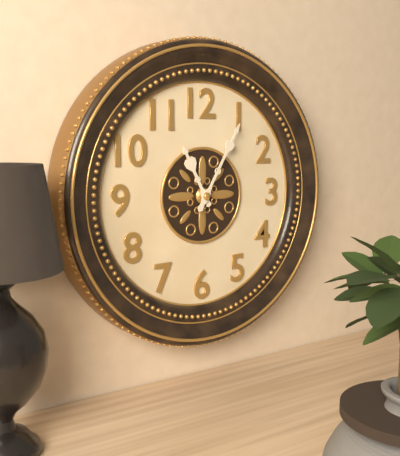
11:05
